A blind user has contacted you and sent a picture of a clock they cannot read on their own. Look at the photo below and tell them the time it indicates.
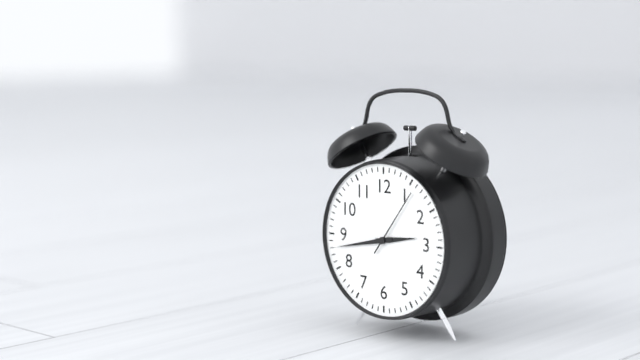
2:43:06
